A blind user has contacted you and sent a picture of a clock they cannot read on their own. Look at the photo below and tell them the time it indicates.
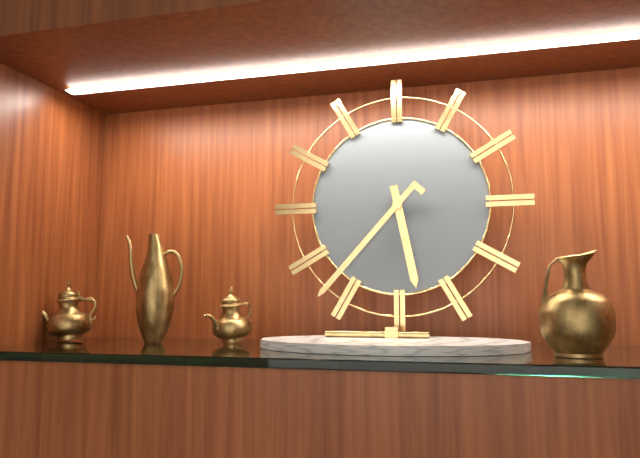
5:37
